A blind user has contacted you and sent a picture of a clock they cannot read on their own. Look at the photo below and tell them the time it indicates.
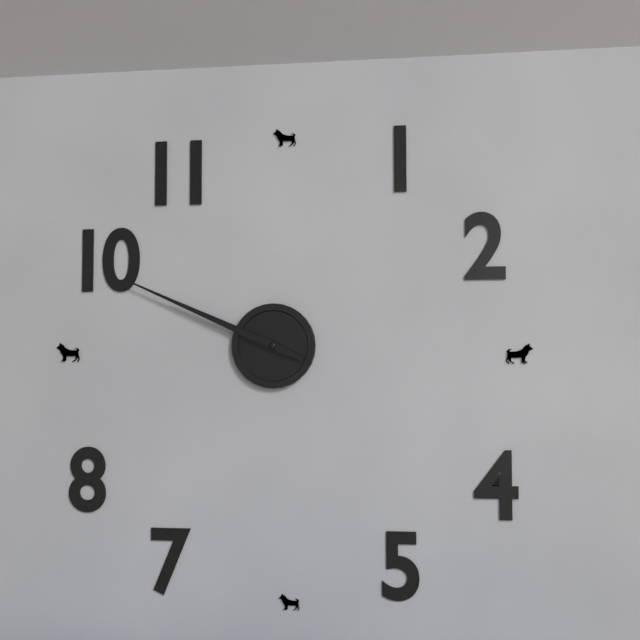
9:49
